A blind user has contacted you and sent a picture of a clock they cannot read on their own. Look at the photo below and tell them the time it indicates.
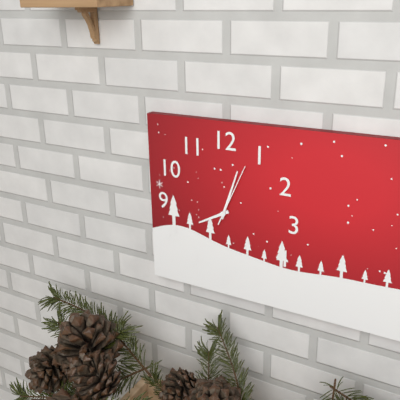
8:03:04
